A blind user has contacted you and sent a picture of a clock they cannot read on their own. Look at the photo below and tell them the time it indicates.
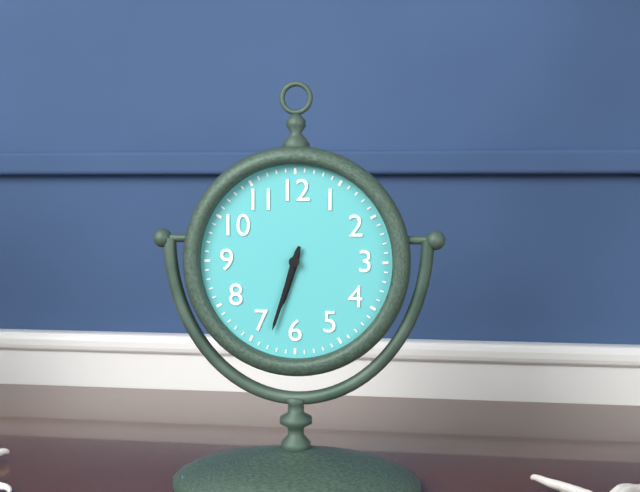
6:33
